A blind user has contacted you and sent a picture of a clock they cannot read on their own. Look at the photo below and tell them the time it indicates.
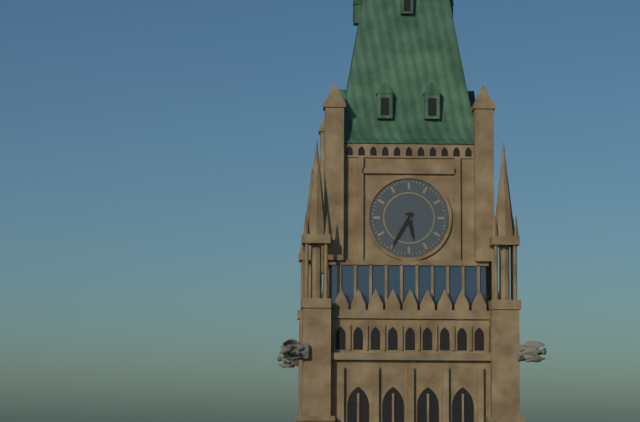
5:35
